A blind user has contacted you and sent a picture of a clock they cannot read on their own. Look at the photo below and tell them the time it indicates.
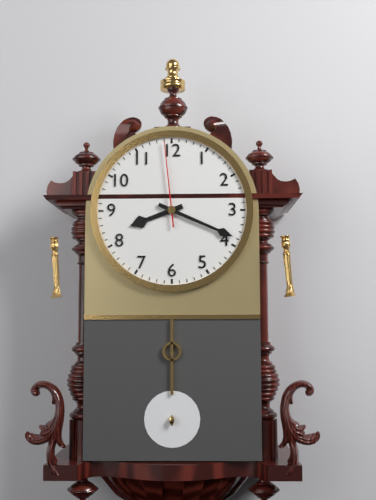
8:19:59
